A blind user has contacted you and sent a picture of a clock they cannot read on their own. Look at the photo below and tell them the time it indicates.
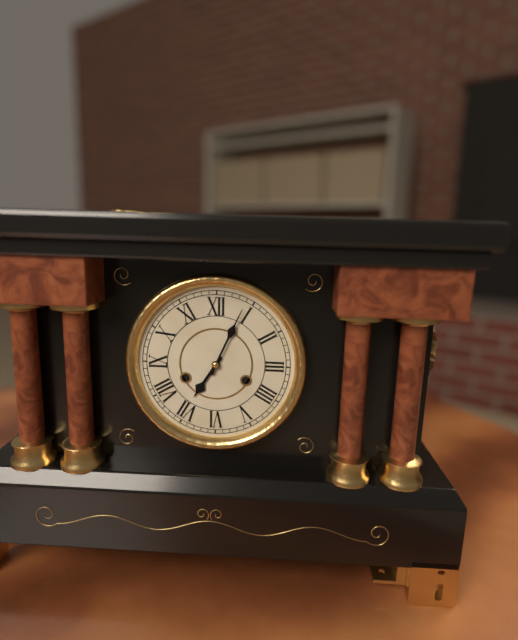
7:04
